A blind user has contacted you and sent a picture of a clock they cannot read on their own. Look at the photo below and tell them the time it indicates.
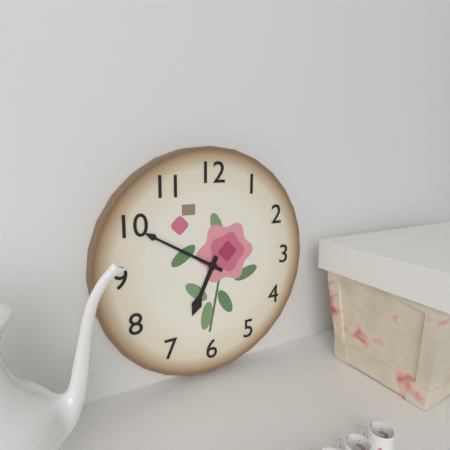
6:50
